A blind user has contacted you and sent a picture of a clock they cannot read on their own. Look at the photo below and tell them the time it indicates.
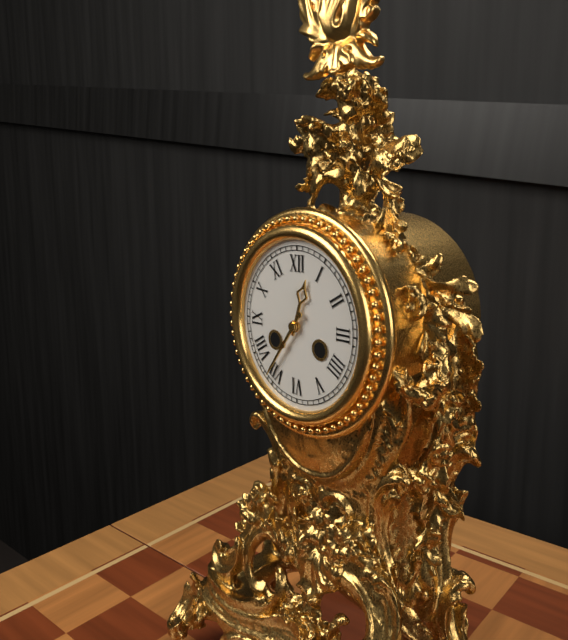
12:36
